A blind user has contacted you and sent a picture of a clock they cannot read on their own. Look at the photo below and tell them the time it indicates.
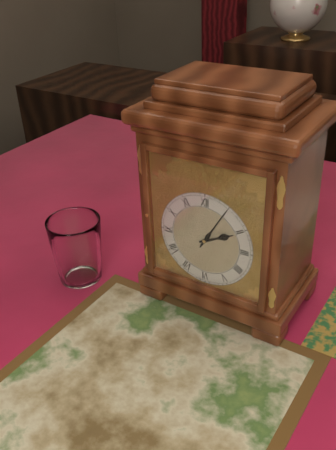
2:05
